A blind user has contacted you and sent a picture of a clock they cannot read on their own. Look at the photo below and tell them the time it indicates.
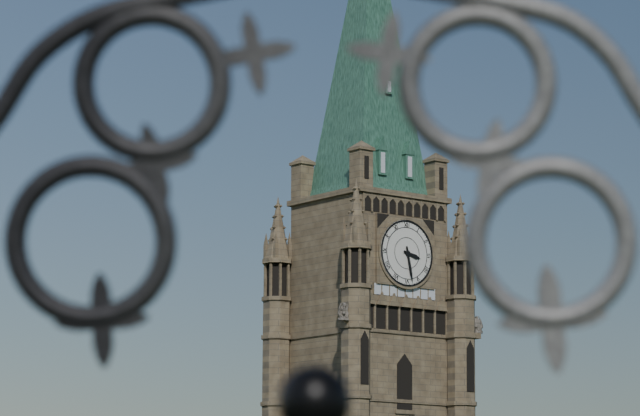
3:28
